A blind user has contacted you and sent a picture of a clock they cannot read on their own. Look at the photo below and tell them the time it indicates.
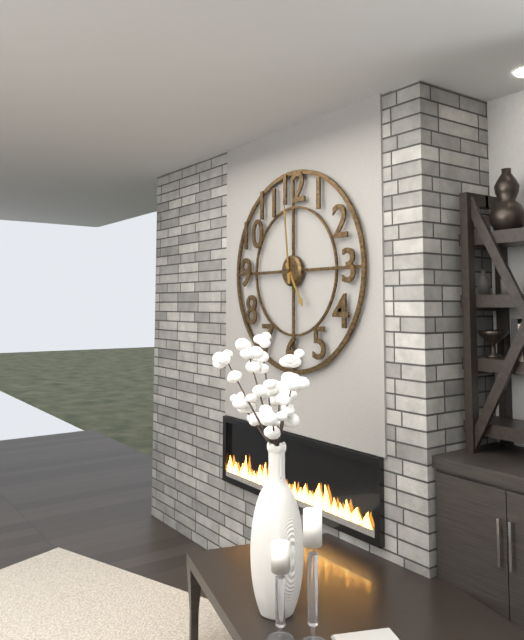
4:59
